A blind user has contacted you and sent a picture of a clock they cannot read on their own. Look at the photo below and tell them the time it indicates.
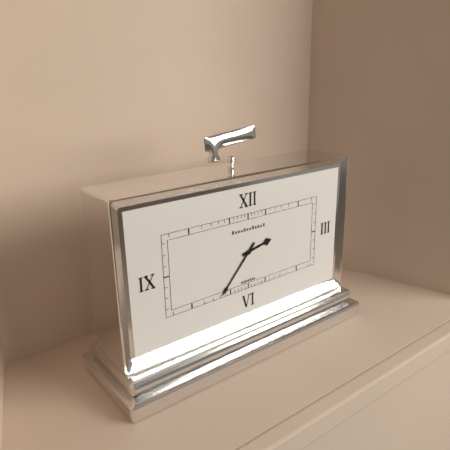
2:37
